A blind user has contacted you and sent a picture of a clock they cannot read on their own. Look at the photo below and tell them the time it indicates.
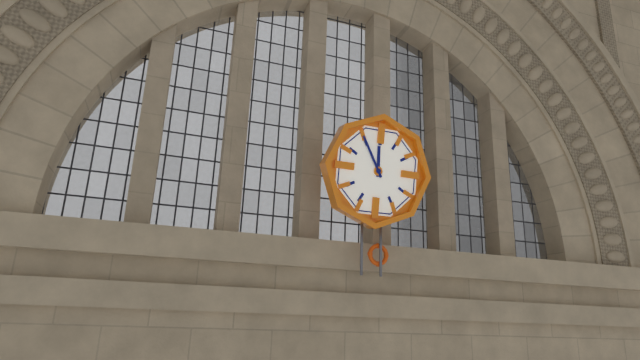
11:55
